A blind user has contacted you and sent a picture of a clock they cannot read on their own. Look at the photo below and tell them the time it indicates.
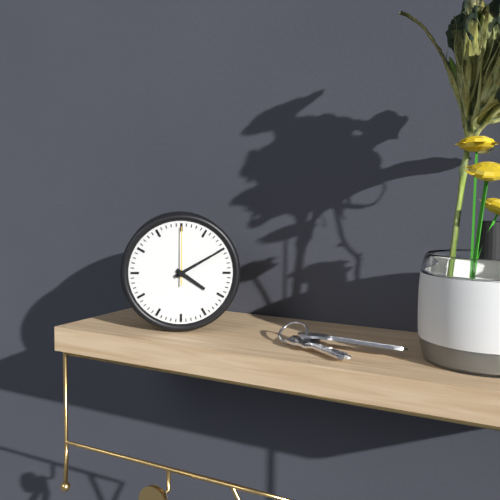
4:10:00
